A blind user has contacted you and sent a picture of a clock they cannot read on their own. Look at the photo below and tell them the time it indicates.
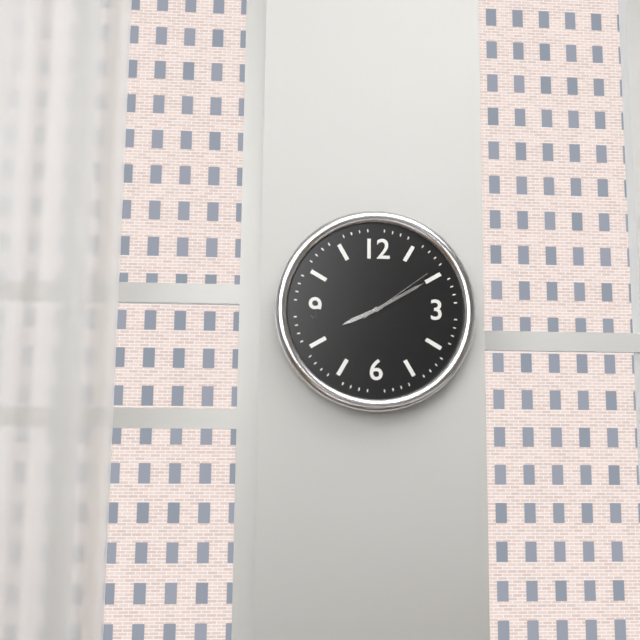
8:10:09
